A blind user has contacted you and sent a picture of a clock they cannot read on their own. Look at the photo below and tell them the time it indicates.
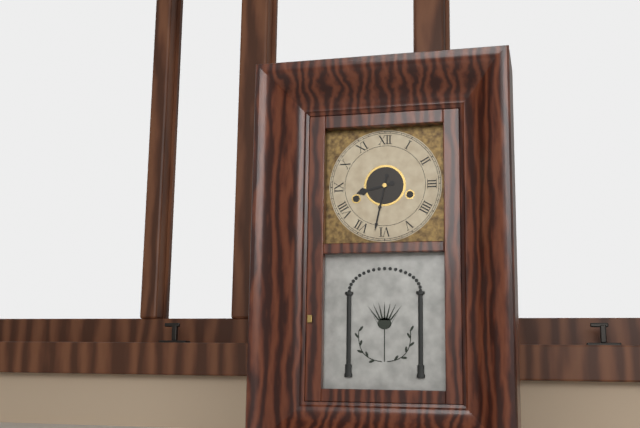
8:32
